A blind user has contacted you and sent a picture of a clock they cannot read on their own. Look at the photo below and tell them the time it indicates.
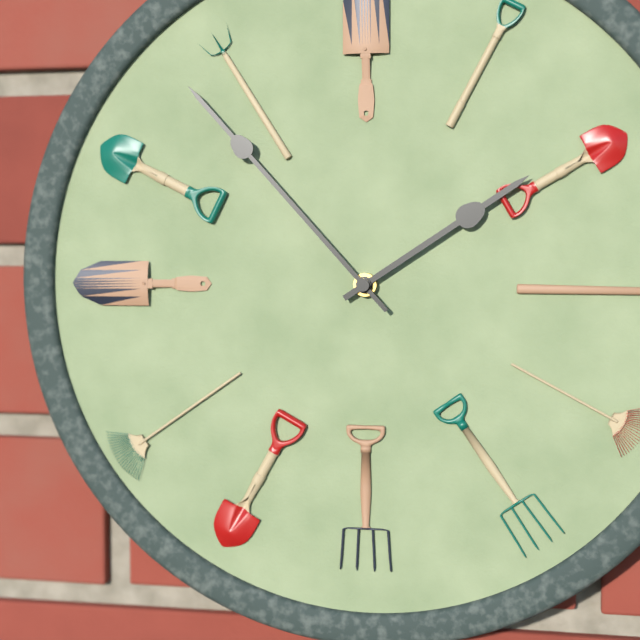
1:53
